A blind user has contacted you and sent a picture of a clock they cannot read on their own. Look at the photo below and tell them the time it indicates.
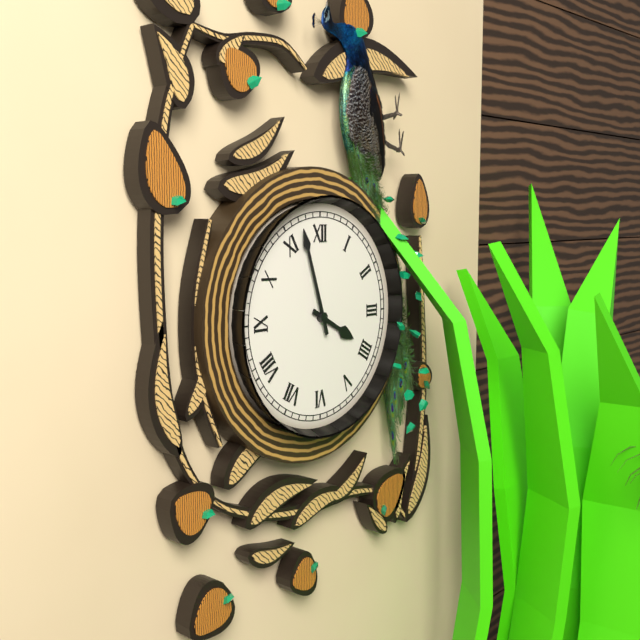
3:57
